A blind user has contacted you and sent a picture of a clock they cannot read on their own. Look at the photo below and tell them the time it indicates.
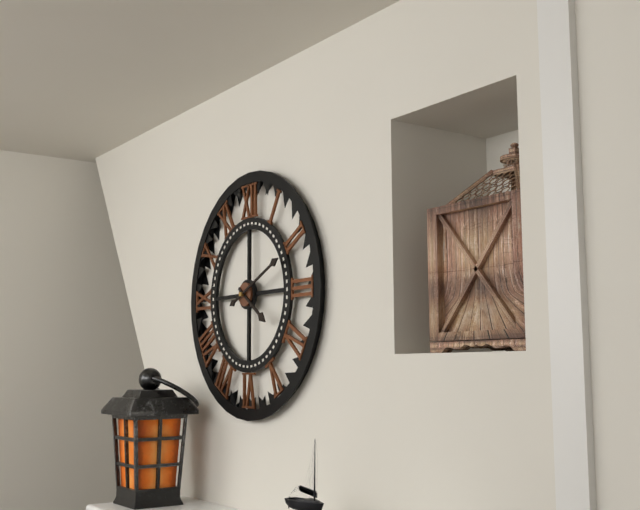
4:11
